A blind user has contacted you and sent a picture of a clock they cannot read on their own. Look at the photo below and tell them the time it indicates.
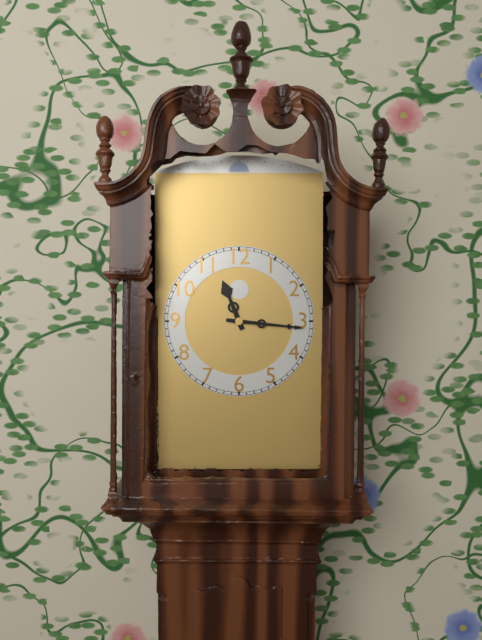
11:16
